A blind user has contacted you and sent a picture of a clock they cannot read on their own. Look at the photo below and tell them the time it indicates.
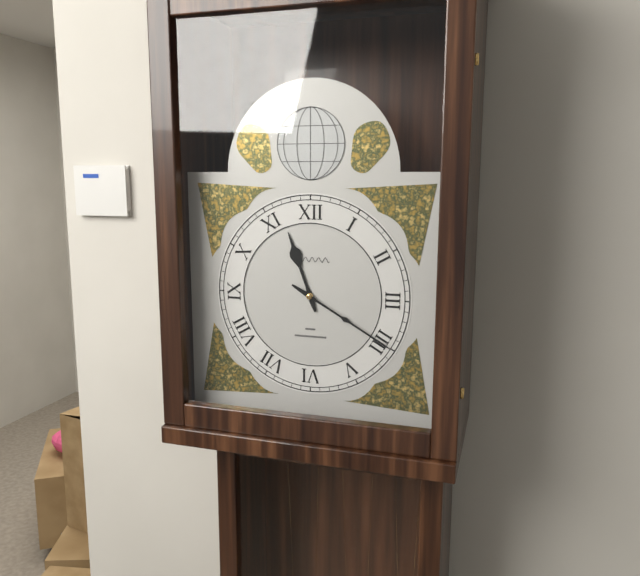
11:20
